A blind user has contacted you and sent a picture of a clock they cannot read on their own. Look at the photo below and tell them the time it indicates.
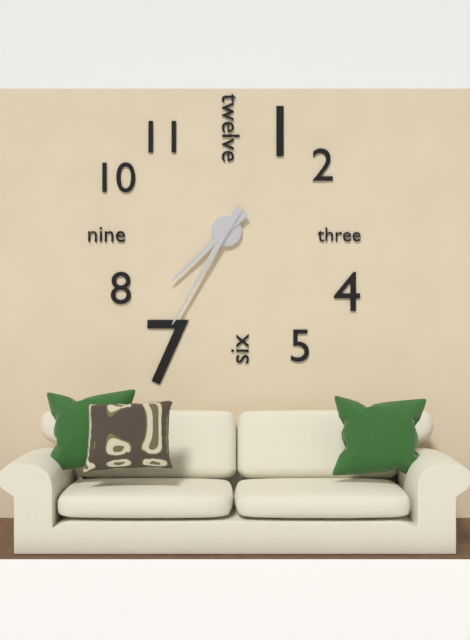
7:35
